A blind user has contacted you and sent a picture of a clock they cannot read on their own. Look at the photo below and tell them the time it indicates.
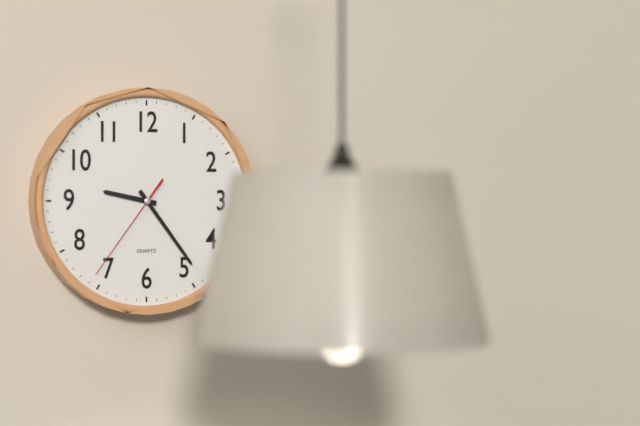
9:24:36
